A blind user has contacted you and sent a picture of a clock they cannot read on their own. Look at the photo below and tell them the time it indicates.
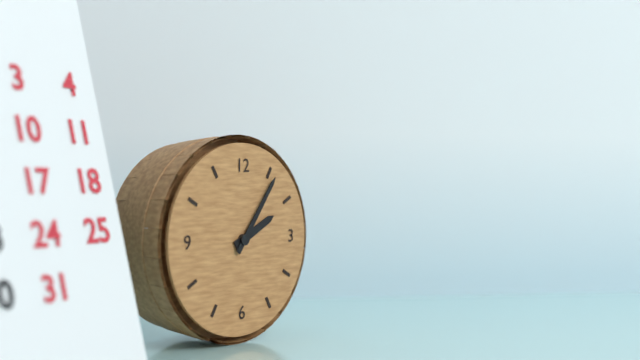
2:06
